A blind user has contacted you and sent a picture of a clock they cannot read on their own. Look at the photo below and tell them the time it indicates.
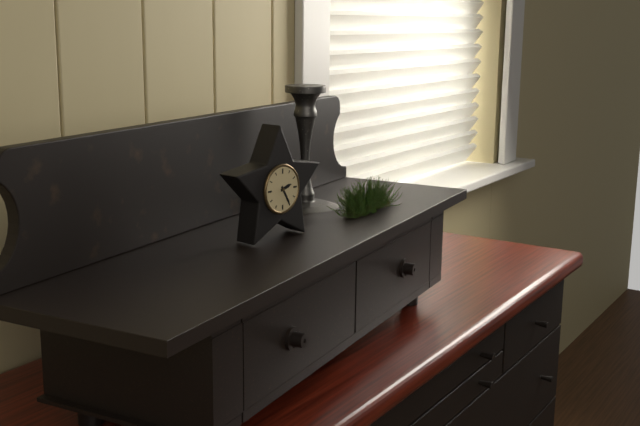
2:25
